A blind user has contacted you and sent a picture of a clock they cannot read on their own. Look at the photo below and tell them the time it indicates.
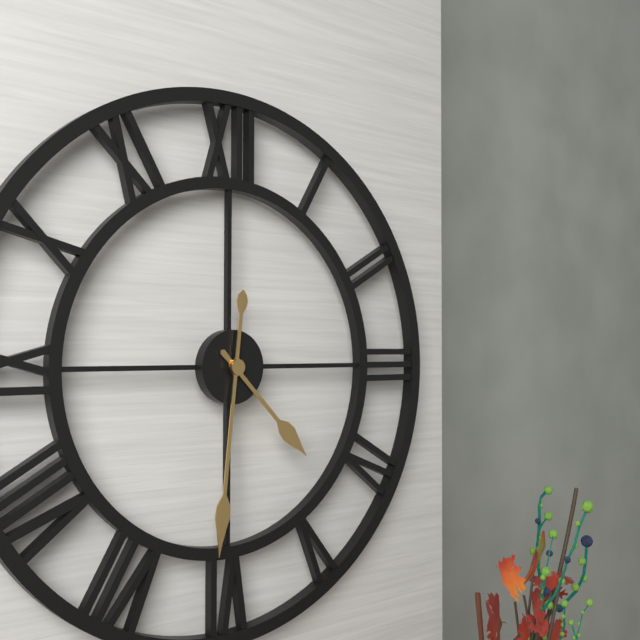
4:31
